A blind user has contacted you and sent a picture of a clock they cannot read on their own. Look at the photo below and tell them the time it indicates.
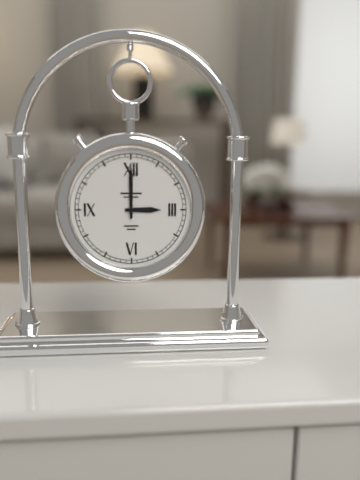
3:00
